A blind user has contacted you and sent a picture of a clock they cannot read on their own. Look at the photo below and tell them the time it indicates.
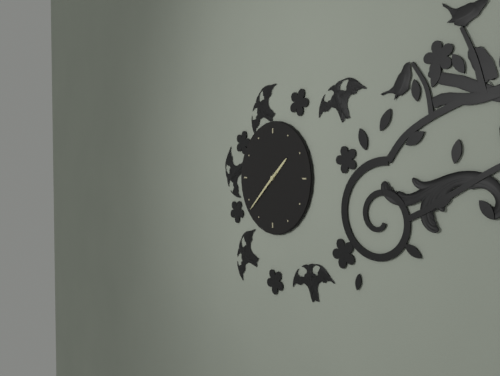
1:38
